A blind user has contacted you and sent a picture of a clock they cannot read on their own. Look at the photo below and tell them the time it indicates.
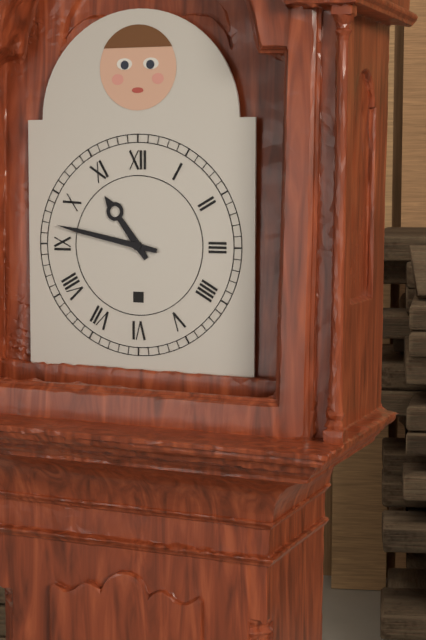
10:47
